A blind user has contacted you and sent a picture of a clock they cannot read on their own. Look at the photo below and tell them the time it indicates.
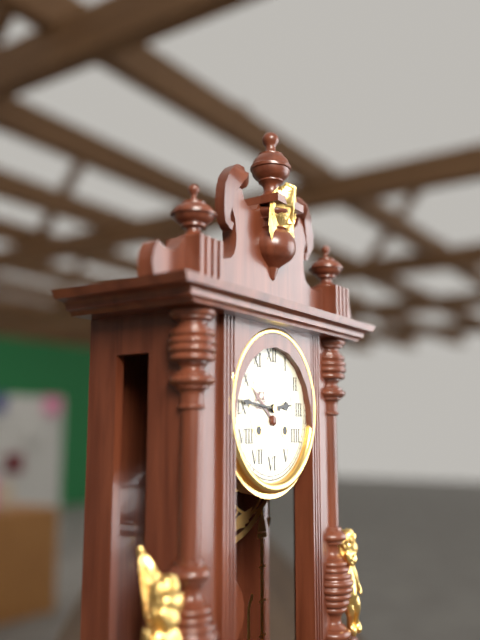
2:46
